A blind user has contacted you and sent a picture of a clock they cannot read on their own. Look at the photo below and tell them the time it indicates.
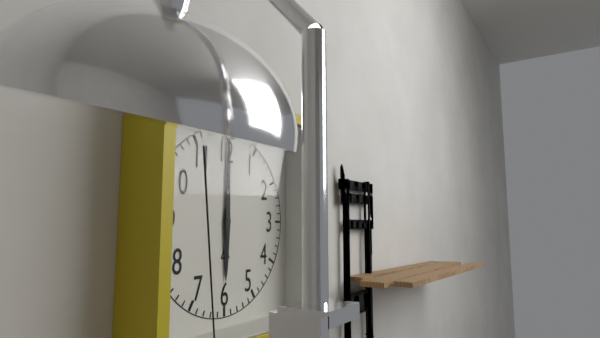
6:00
